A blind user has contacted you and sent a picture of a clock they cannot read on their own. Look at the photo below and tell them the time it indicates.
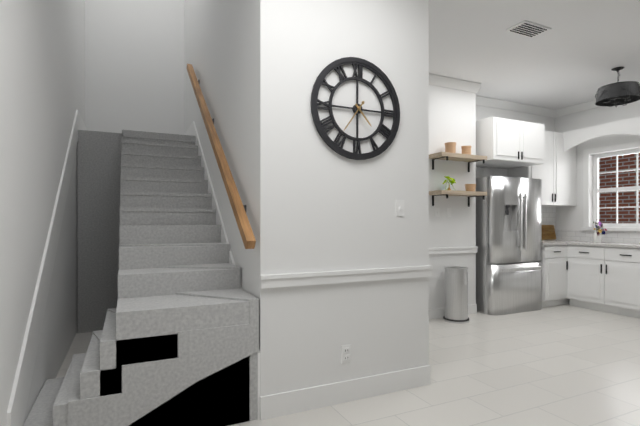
4:36
